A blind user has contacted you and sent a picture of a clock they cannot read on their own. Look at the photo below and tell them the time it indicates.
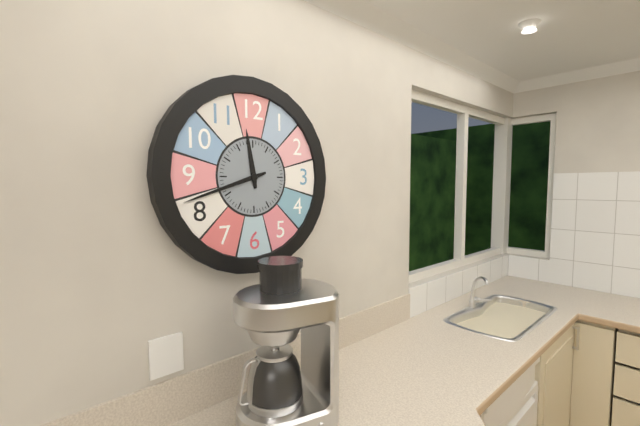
11:42
